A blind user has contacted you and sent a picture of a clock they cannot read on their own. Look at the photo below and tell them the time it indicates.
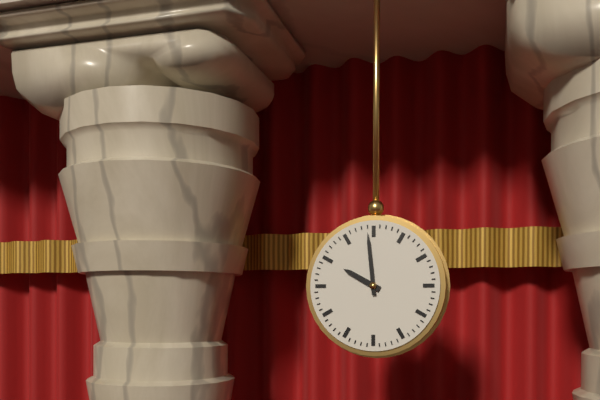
9:59
